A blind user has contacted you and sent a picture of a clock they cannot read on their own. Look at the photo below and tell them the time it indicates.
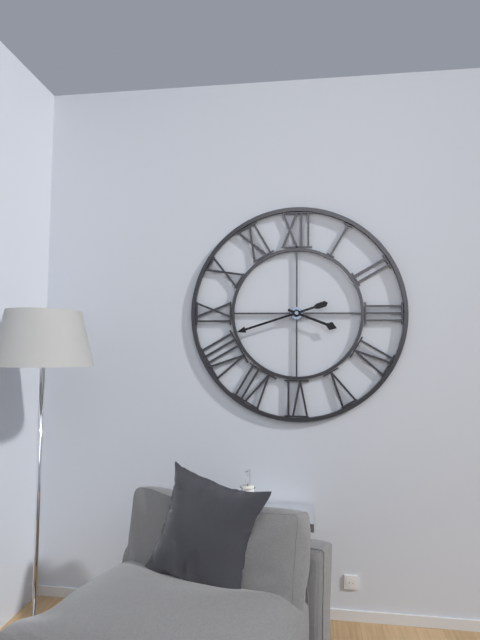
3:42
